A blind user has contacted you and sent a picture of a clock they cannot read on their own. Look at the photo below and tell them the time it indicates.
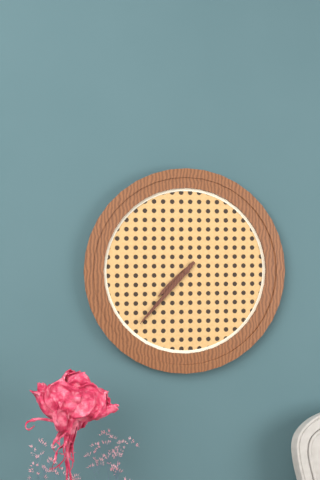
7:37
